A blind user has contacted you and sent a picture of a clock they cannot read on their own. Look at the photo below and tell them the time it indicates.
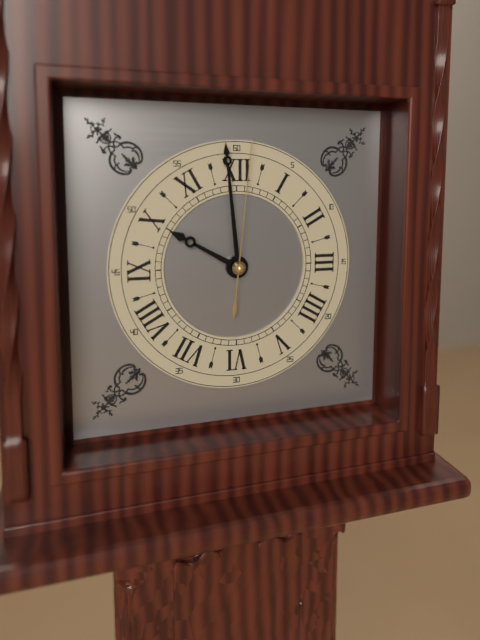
9:59:01
